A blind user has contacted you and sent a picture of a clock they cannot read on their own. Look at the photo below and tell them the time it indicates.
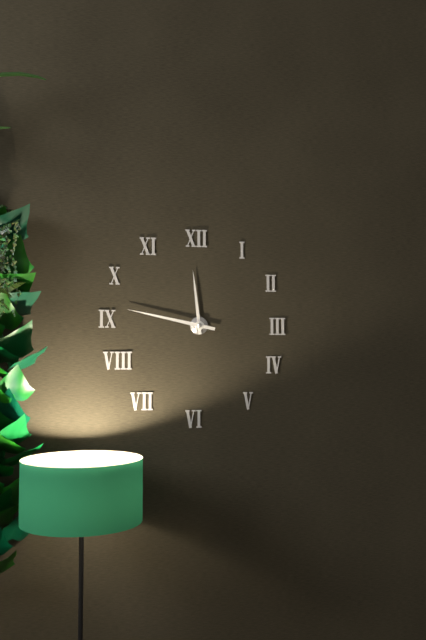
11:47
